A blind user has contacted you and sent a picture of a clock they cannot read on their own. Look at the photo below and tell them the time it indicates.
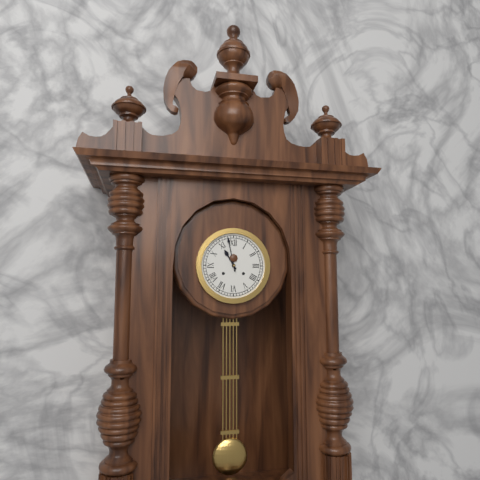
10:58
